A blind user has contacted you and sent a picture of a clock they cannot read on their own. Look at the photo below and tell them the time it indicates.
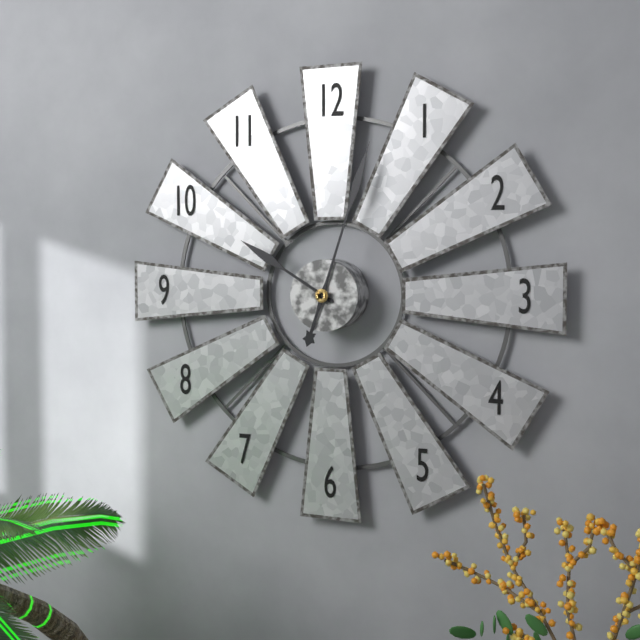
10:03
